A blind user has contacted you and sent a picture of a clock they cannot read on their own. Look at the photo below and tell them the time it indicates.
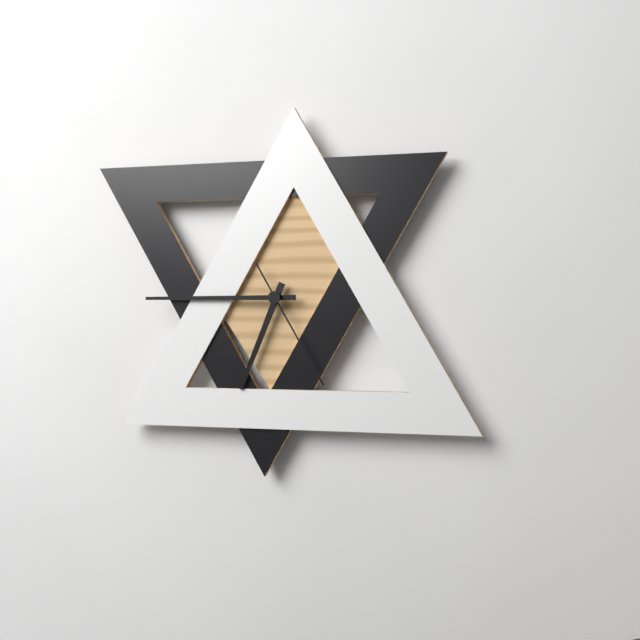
6:45:25
